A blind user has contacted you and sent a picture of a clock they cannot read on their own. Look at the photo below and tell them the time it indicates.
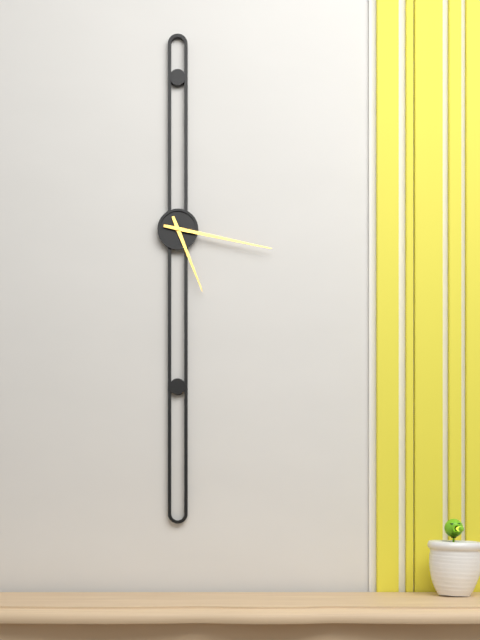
5:17
